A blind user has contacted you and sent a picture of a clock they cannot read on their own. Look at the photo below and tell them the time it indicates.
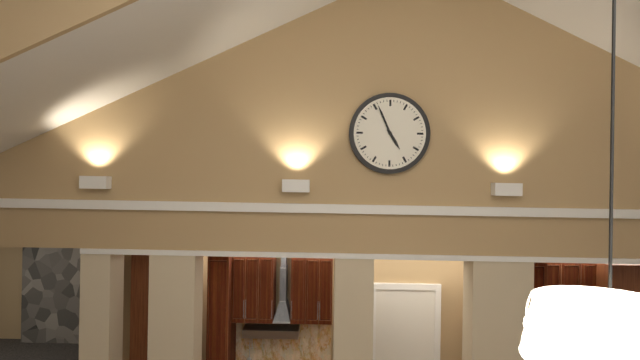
4:56
